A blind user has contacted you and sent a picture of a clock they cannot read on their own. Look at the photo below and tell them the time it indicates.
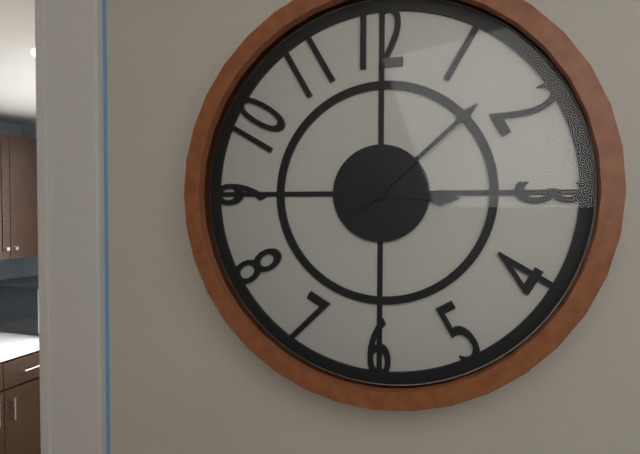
3:08
